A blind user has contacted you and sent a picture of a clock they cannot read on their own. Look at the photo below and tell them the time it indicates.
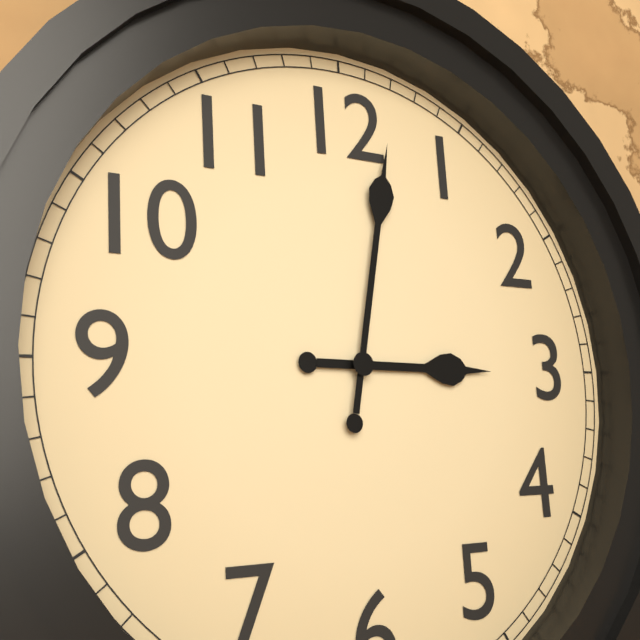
3:02
